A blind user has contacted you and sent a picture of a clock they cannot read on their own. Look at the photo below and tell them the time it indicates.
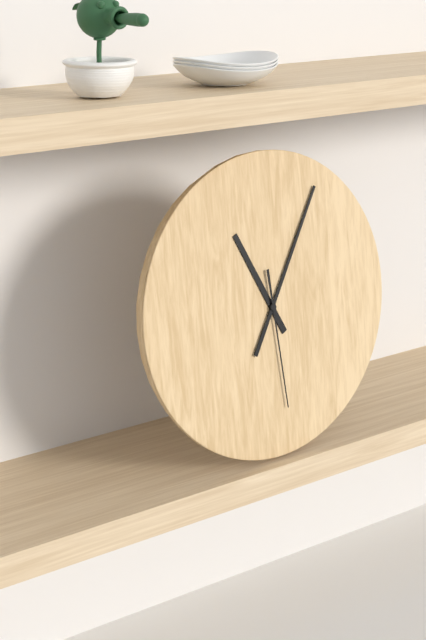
11:05:29
